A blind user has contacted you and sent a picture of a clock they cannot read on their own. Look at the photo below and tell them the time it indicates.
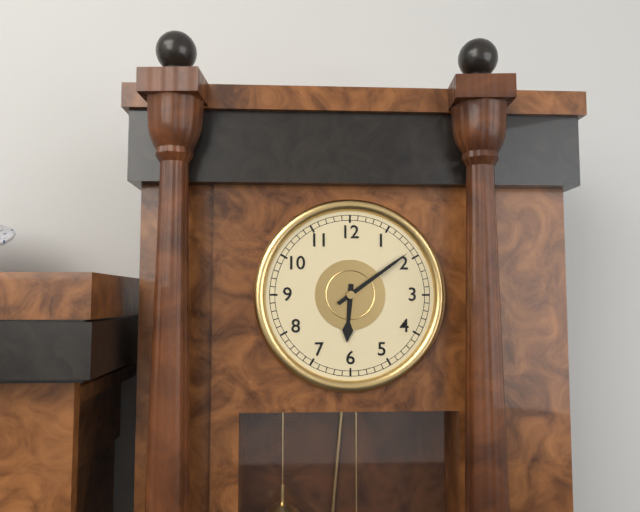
6:09
